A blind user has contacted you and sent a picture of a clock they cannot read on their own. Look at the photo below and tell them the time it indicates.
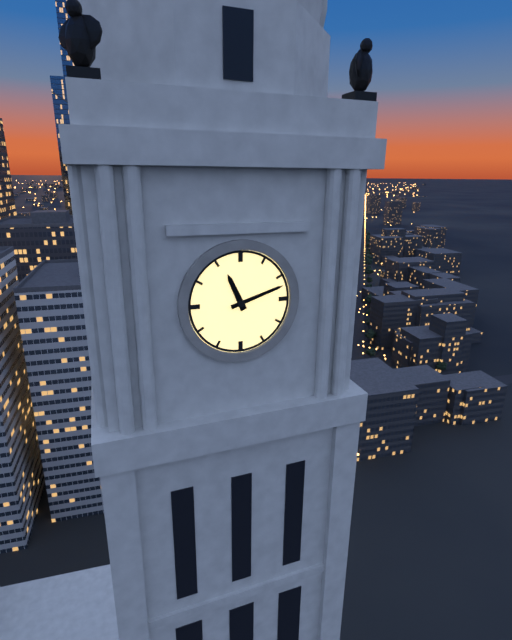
11:12
